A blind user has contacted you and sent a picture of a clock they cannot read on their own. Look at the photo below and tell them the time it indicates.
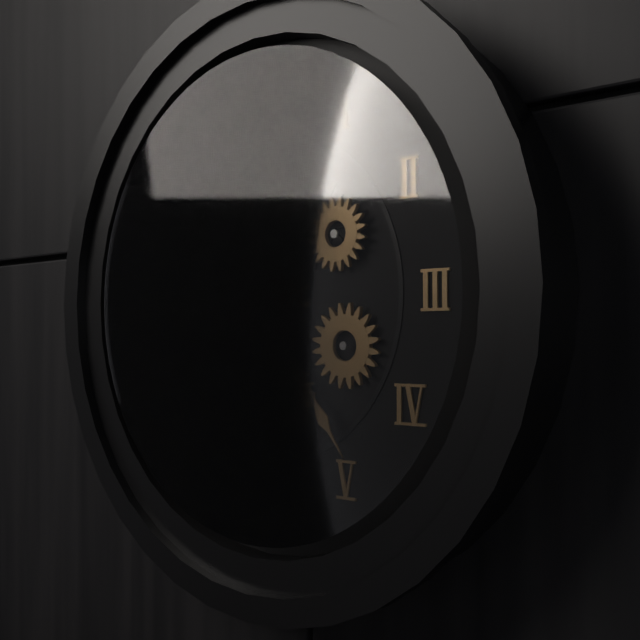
7:24
